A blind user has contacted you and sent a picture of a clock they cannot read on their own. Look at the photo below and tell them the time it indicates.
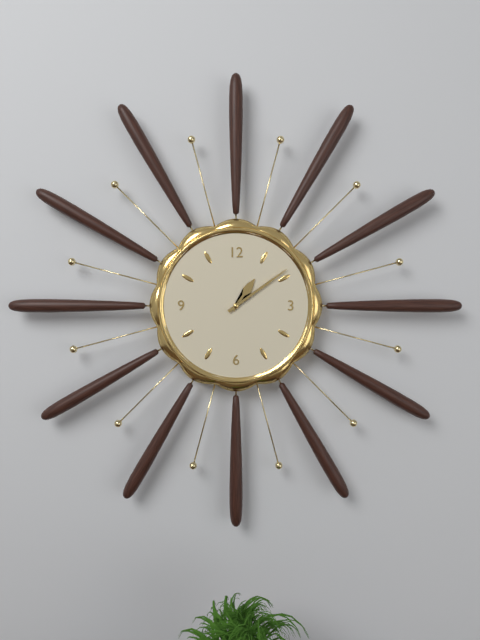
1:09
